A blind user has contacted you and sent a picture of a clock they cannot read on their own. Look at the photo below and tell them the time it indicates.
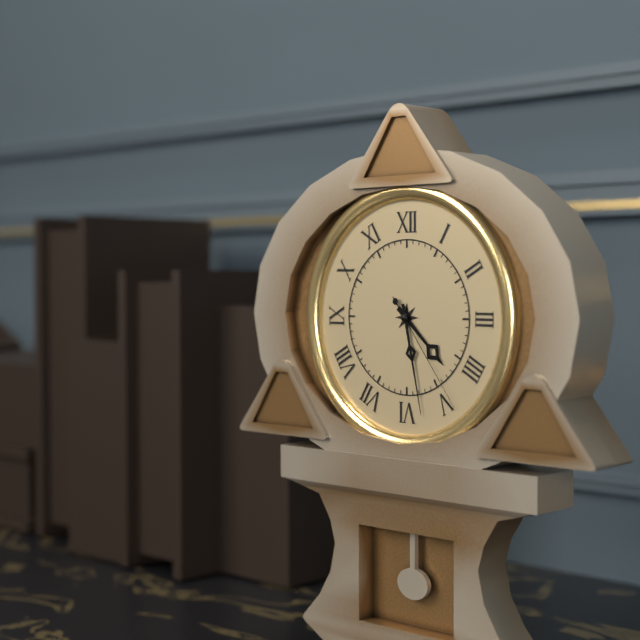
4:28:24
